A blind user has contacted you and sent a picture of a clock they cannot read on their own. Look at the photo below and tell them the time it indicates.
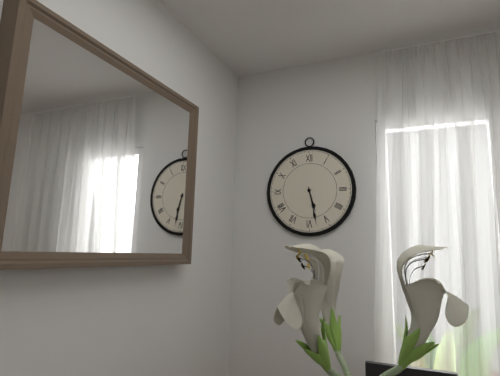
5:28
